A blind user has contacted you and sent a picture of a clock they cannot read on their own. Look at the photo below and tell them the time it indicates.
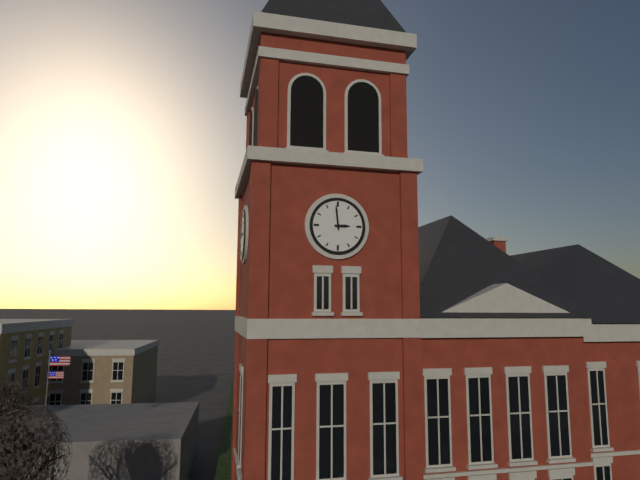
2:59
